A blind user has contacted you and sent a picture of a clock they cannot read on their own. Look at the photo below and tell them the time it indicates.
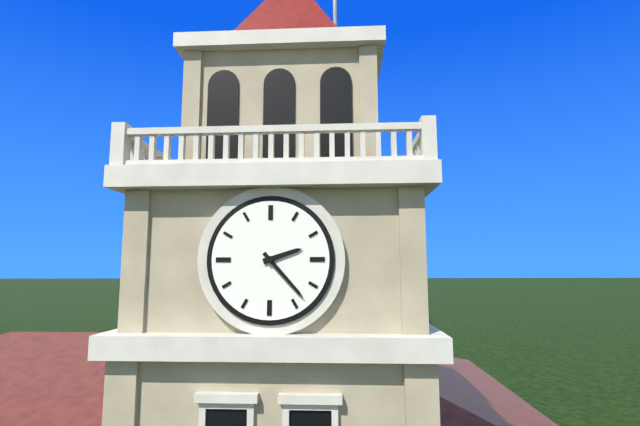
2:23
